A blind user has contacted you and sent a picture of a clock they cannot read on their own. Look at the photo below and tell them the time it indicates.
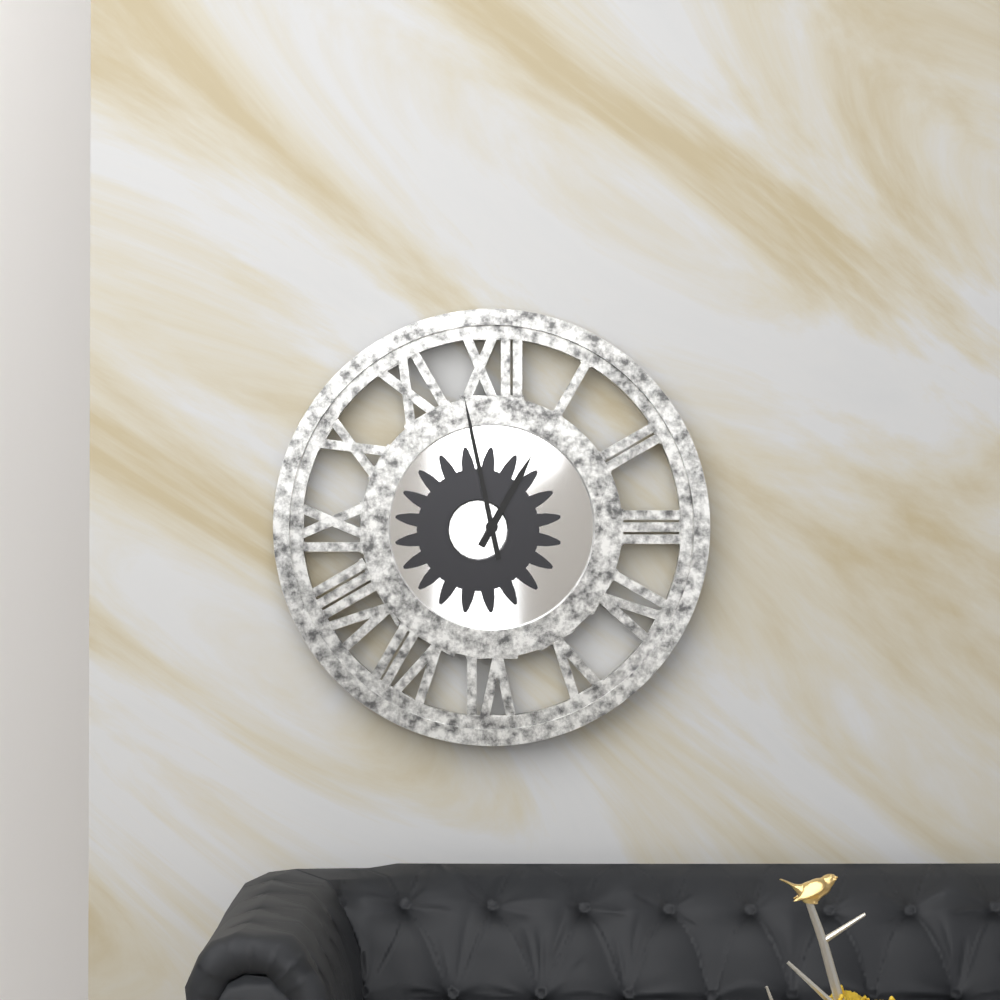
12:58
